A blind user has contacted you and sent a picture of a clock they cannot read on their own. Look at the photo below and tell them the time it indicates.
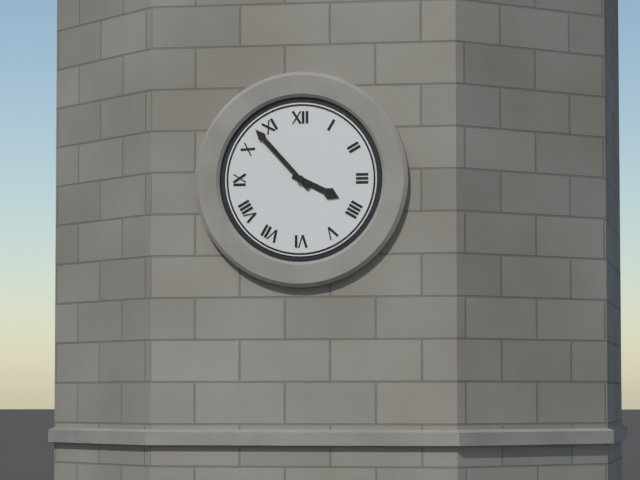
3:53
